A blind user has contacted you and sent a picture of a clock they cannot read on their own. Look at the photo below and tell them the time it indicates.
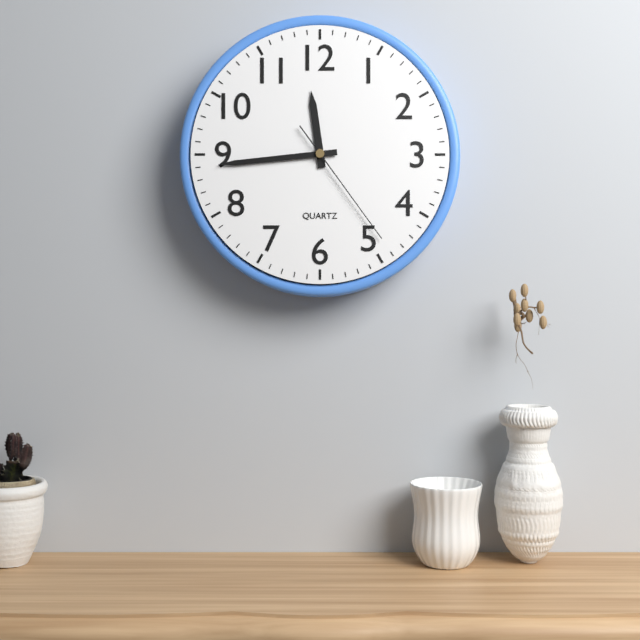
11:44:24
